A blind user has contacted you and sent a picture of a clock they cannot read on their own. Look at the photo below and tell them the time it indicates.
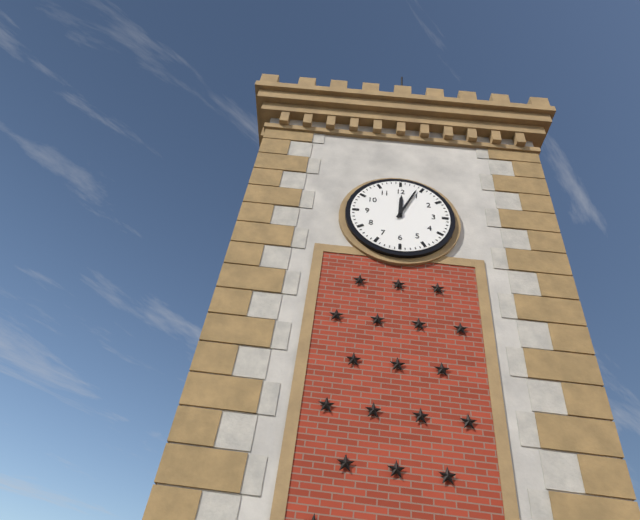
12:04
